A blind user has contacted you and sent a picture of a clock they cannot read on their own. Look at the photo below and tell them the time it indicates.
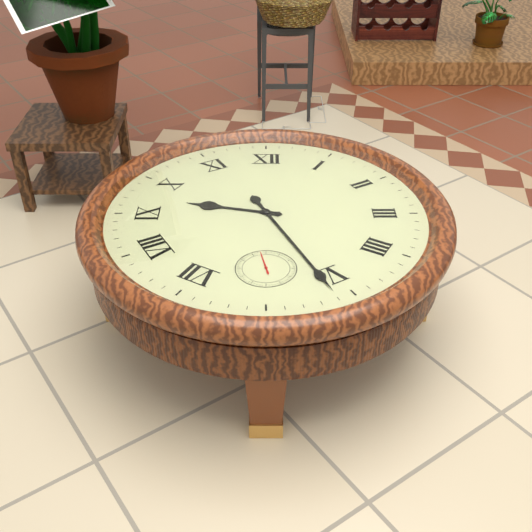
9:26
